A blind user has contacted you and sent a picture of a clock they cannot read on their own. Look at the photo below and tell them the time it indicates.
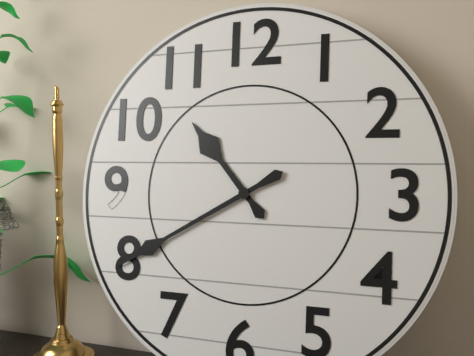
10:40
